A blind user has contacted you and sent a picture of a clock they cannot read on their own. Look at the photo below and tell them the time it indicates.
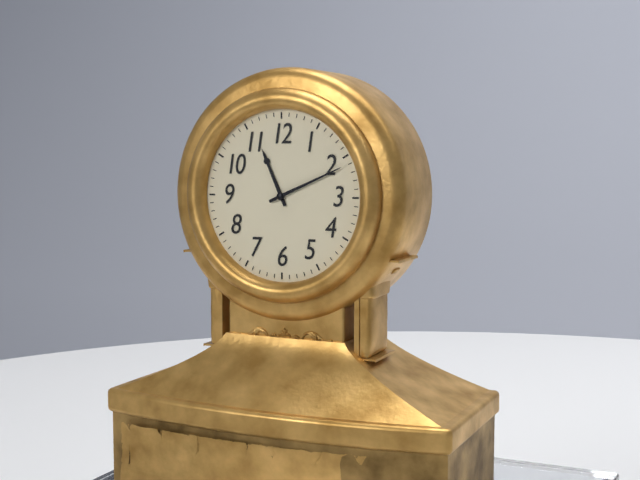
11:11
